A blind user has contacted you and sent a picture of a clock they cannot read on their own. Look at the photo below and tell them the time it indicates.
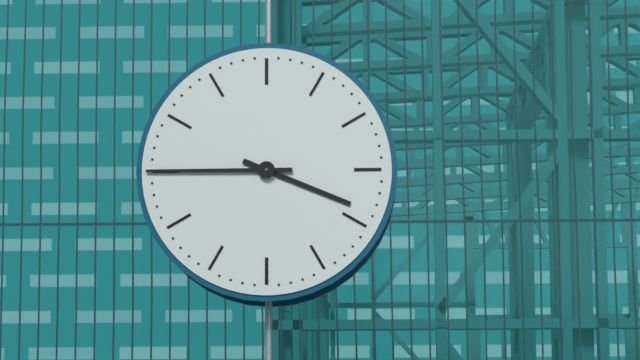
3:45
